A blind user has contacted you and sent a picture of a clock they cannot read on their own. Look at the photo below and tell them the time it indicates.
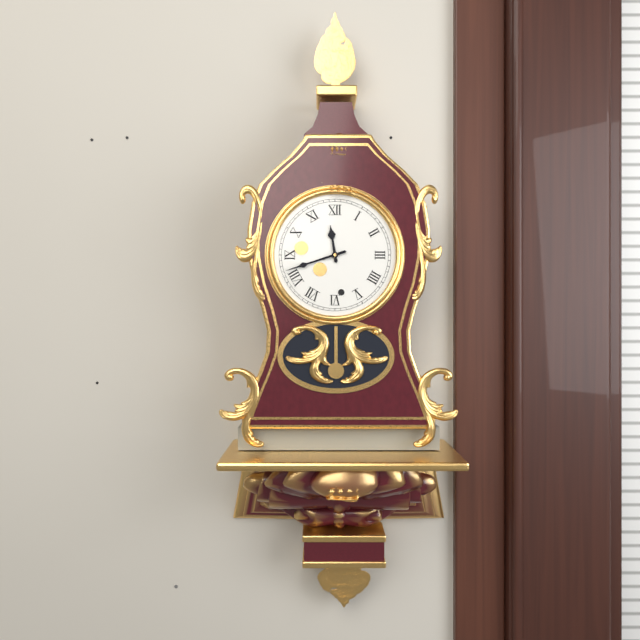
11:42
